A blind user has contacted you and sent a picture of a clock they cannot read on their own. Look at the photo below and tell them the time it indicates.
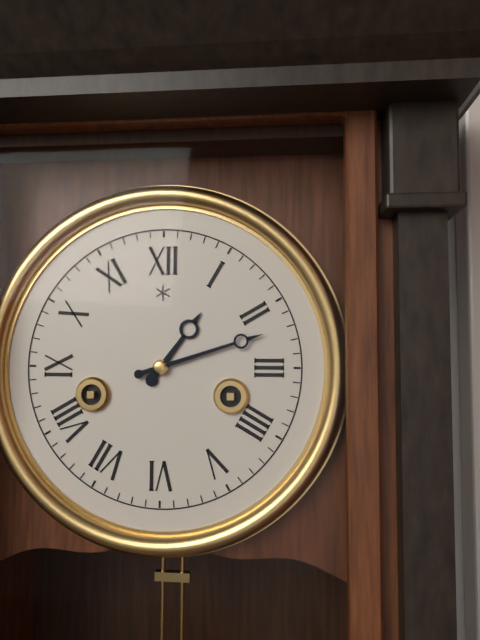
1:12
